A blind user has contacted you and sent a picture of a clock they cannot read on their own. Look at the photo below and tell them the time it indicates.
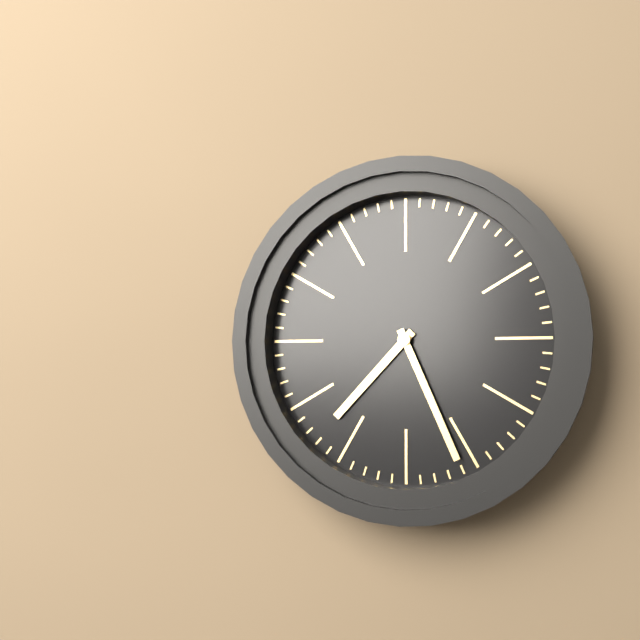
7:26
